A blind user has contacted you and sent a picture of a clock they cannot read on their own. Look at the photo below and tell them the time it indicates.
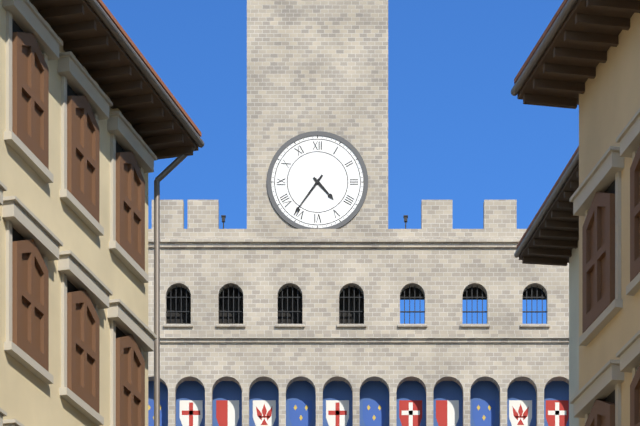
4:36
